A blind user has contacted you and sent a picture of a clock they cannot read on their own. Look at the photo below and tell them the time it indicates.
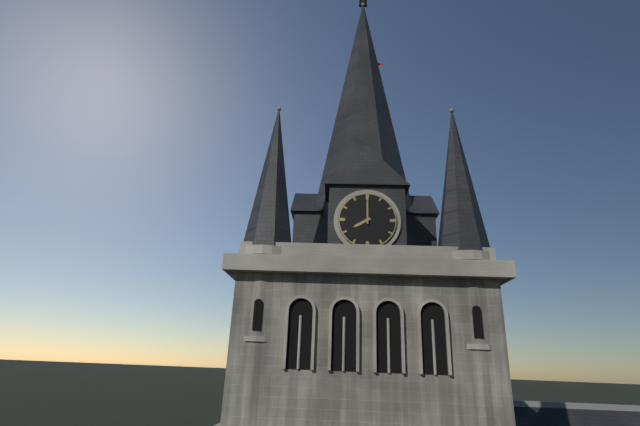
8:00
